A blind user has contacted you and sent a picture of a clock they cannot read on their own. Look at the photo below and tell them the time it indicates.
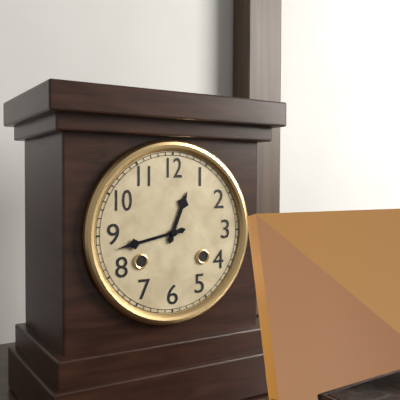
12:43
